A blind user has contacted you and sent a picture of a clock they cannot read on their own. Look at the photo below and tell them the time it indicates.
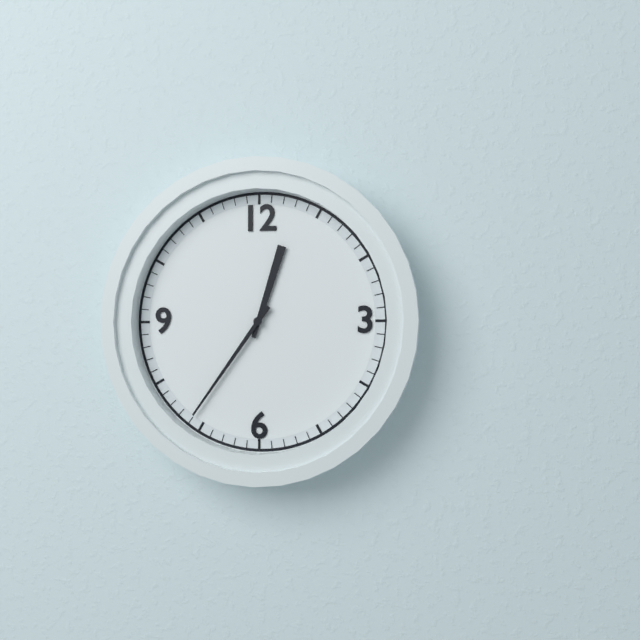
12:36
